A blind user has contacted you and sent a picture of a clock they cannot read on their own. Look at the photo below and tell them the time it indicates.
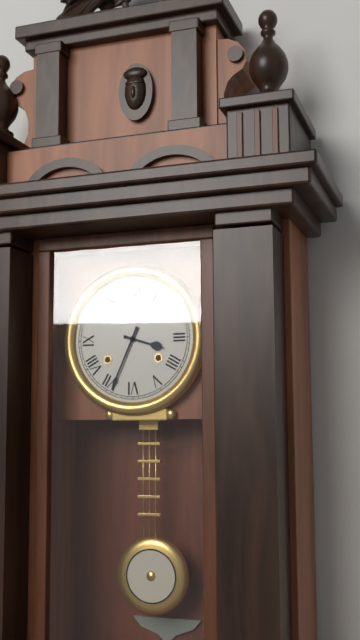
3:34
